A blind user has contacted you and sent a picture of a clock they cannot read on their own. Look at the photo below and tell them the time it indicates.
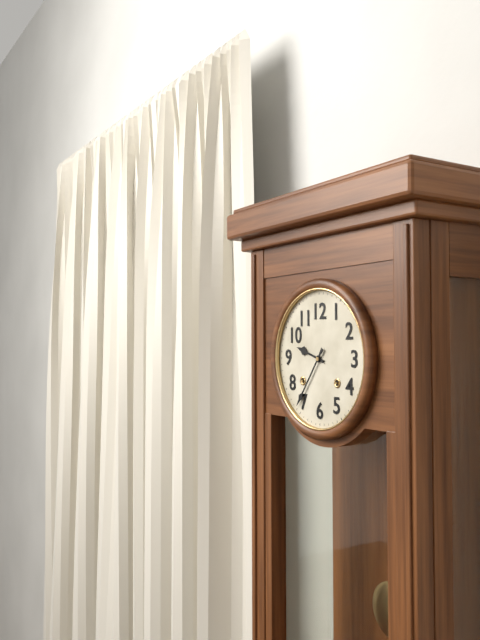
9:36
